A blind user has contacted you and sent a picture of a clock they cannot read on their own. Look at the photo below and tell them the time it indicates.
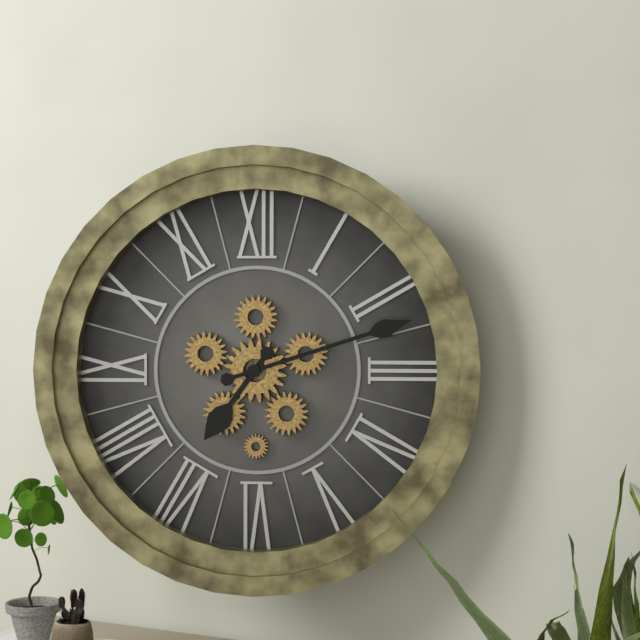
7:12
